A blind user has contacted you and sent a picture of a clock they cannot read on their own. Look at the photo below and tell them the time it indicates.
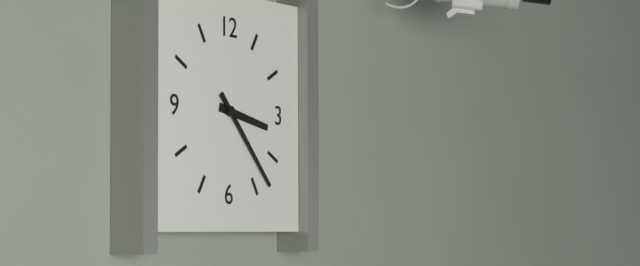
3:23
